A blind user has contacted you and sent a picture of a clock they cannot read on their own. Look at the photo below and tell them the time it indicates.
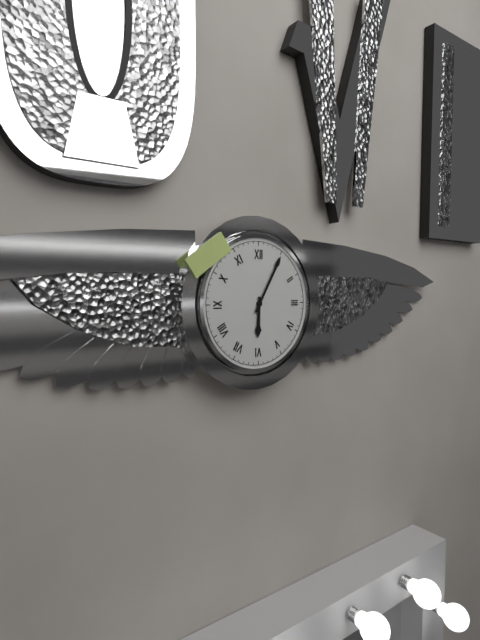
6:05
